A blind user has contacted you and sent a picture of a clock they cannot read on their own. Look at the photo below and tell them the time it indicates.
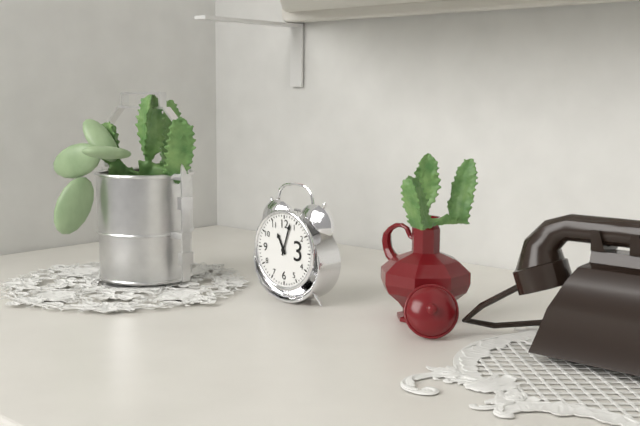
11:03
